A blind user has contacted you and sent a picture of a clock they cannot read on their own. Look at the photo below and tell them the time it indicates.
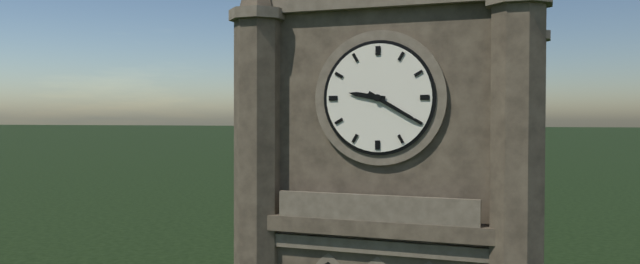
9:20
